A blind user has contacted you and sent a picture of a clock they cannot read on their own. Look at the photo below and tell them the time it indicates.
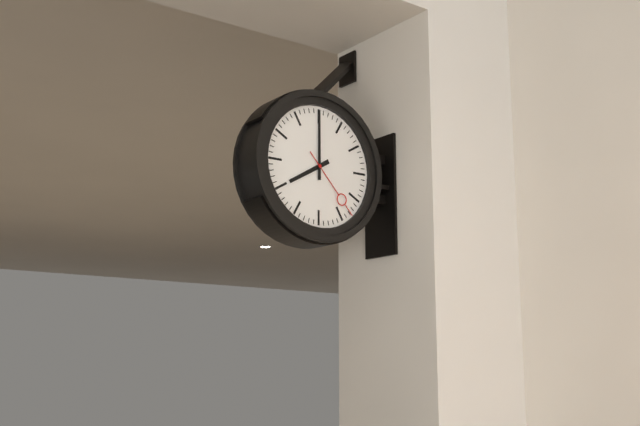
8:00:23
